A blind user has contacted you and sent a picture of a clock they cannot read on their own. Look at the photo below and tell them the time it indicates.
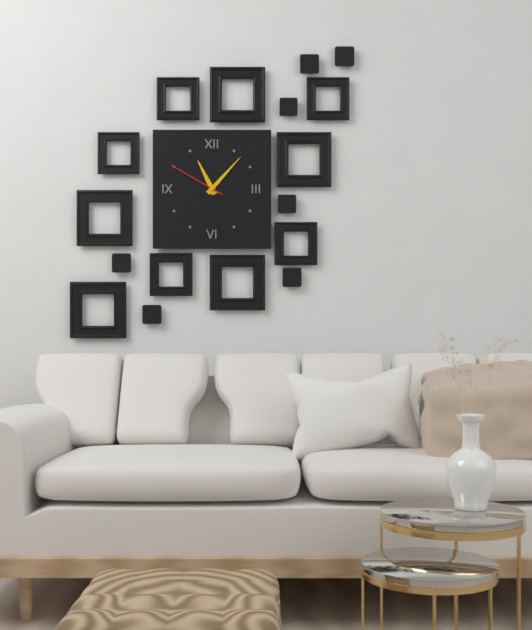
11:07:50
